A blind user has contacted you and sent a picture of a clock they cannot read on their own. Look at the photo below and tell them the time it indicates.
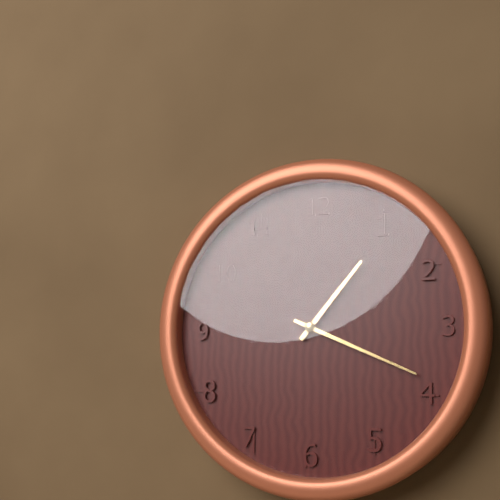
1:19
